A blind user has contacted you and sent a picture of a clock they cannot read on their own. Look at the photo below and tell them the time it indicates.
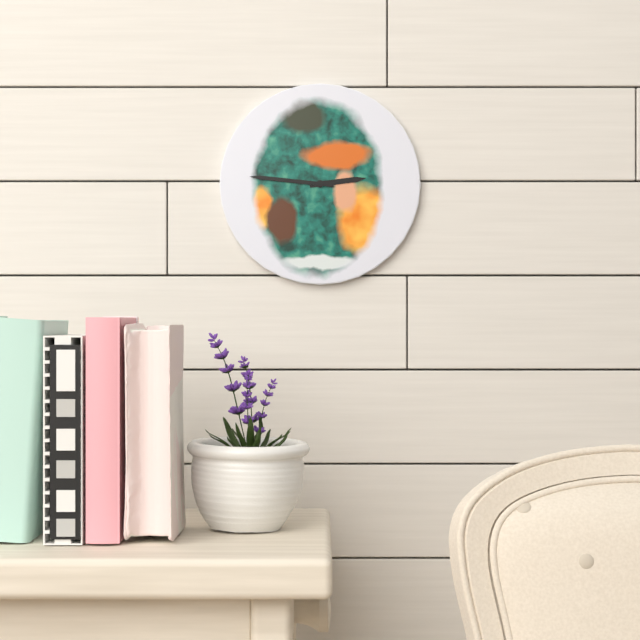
2:46
